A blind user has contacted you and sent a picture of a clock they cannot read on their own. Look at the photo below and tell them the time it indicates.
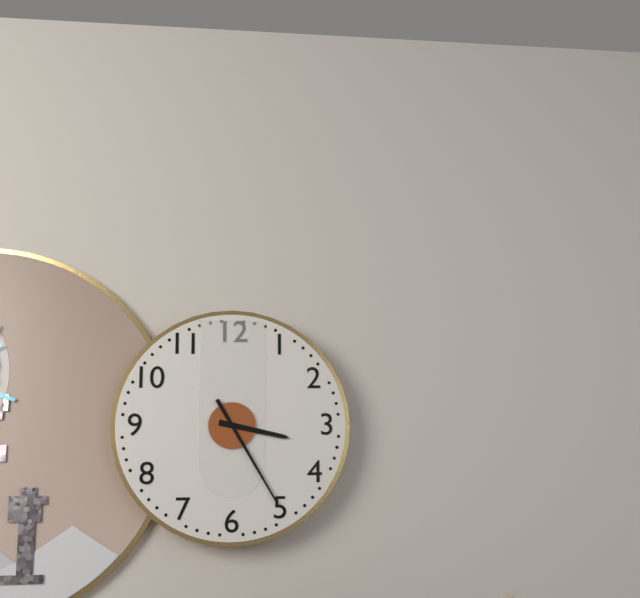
3:25
